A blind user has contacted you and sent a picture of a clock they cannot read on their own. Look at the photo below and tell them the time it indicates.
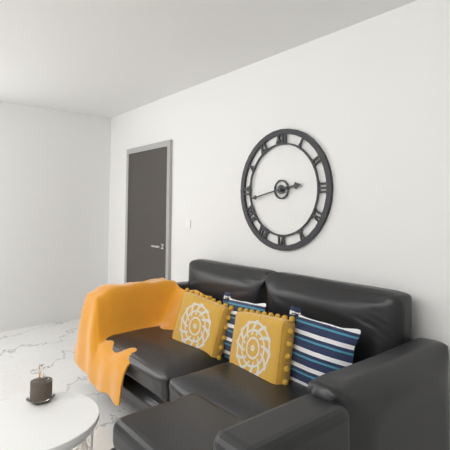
2:43
